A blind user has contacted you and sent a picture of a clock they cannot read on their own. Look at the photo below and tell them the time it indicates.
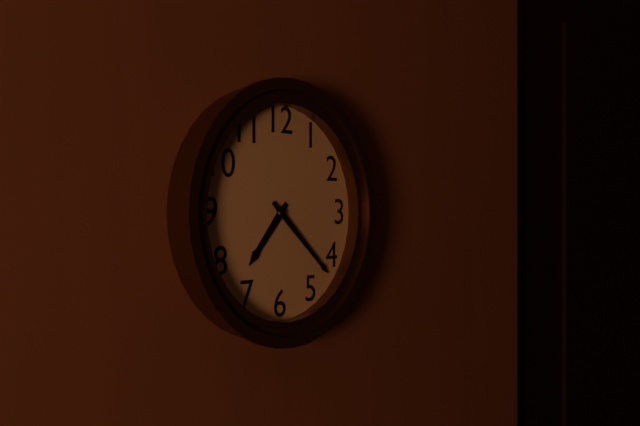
7:22
